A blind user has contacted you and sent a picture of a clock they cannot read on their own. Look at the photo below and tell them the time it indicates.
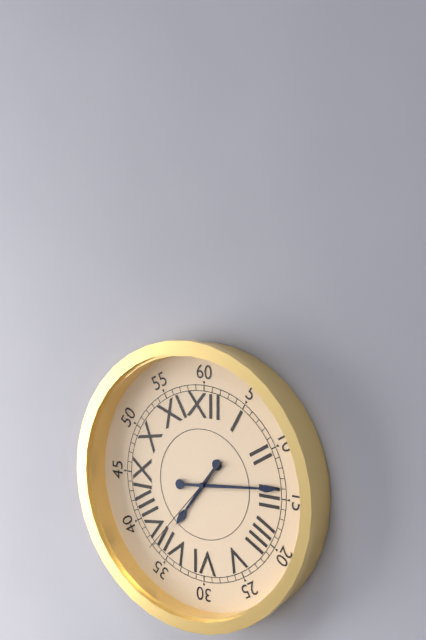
7:14:37
